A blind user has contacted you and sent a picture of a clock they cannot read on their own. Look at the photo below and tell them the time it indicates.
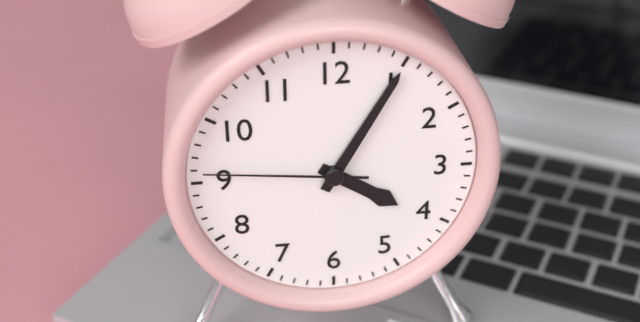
4:05:46
